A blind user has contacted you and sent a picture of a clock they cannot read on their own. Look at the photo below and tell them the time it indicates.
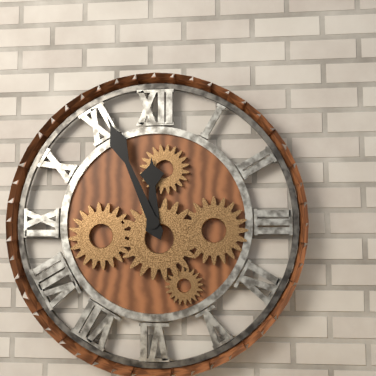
11:56
